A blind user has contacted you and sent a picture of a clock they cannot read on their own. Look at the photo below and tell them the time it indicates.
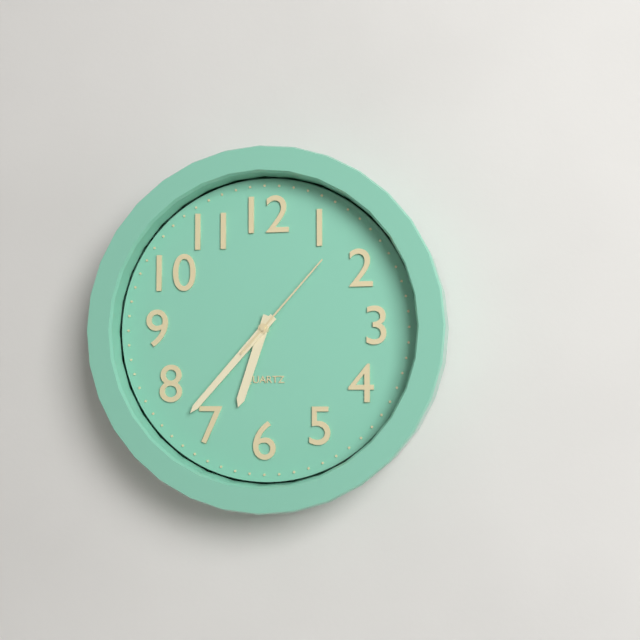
6:37:07
